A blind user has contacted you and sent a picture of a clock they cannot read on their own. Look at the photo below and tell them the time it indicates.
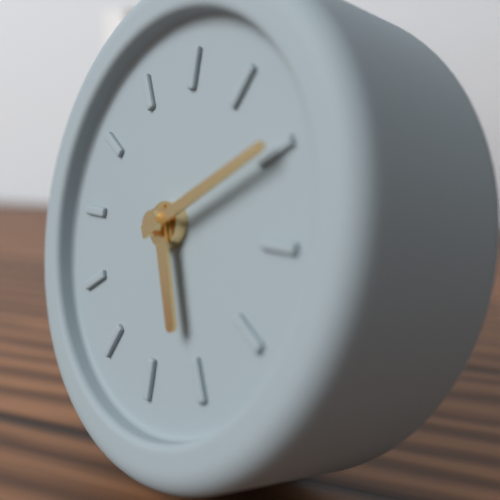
5:10
